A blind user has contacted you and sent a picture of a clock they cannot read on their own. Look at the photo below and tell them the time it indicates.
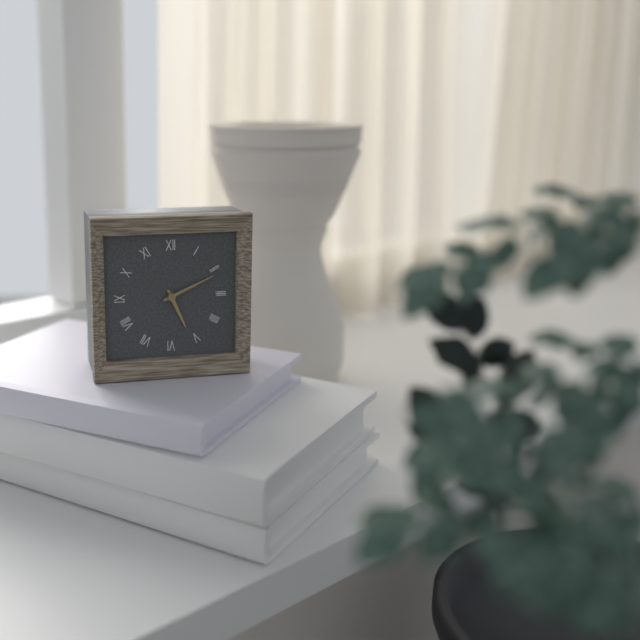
5:11
